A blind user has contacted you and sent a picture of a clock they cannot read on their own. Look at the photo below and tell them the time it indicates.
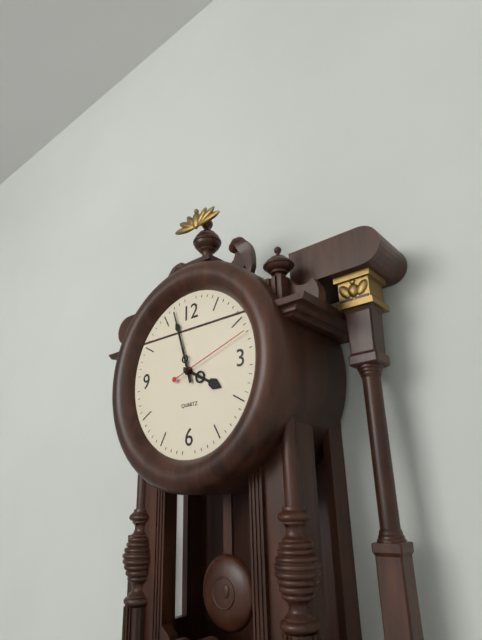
3:57:12
